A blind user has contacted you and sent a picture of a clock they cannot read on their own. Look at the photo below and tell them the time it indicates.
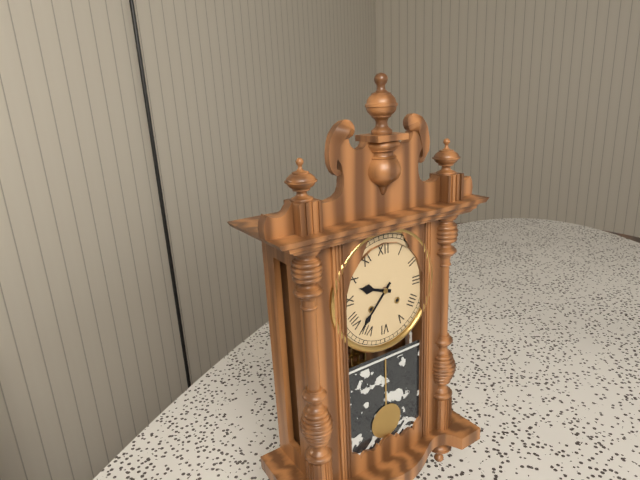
9:37
